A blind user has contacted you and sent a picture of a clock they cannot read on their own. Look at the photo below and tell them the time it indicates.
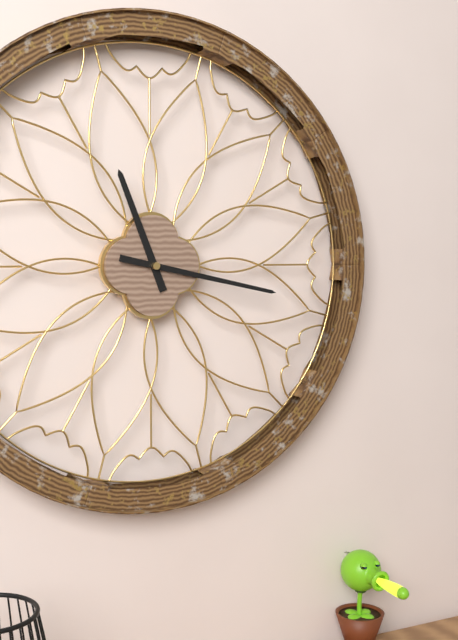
11:17
